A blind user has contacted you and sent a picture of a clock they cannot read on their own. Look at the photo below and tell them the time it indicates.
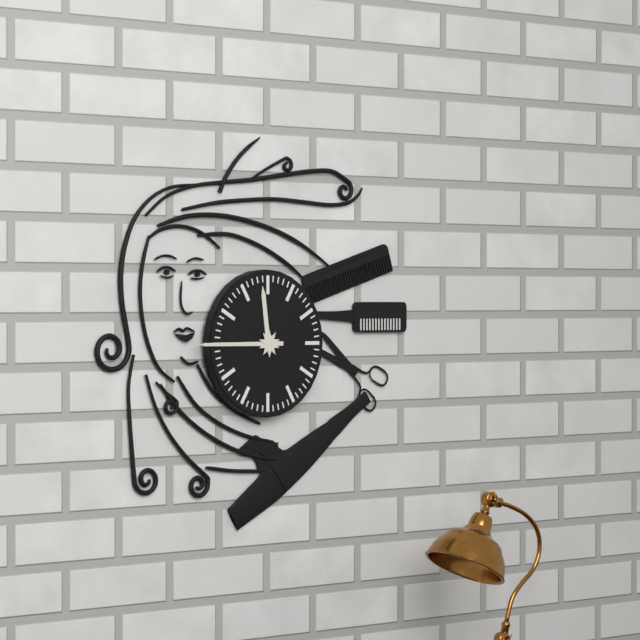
11:45
